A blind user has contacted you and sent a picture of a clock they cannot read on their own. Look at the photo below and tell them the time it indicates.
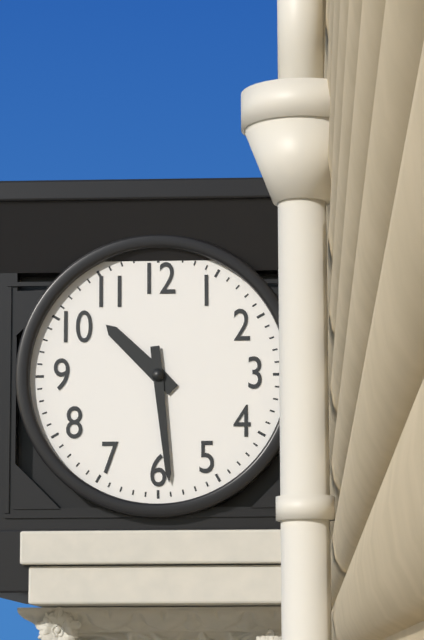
10:29
